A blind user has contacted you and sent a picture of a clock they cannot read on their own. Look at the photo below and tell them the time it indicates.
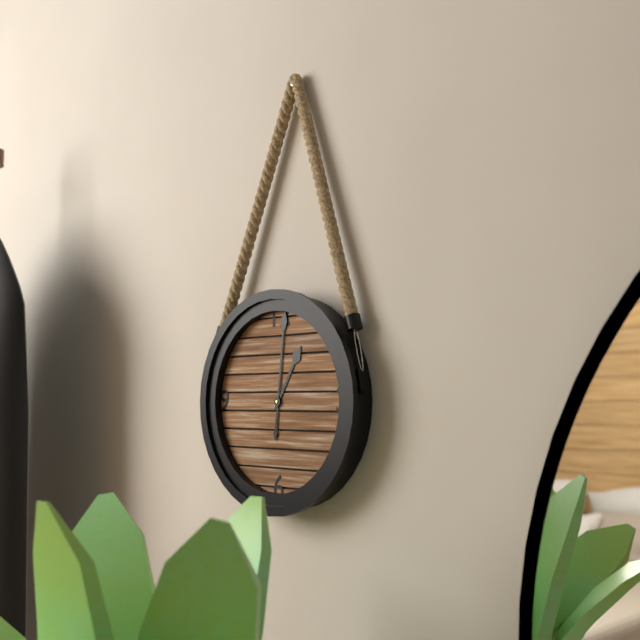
1:01
